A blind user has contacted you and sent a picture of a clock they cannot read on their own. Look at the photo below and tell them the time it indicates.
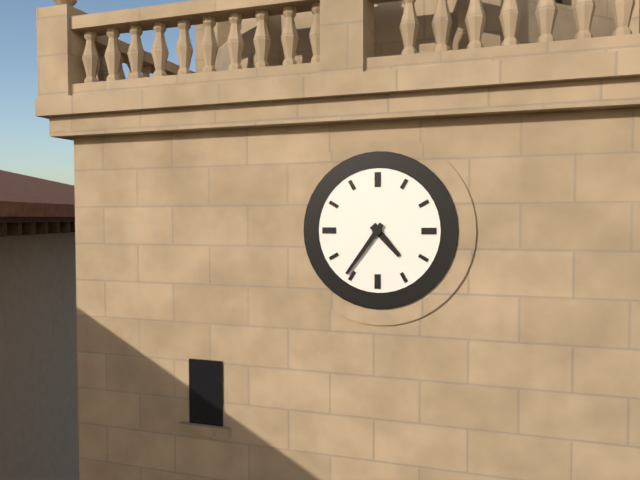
4:36
